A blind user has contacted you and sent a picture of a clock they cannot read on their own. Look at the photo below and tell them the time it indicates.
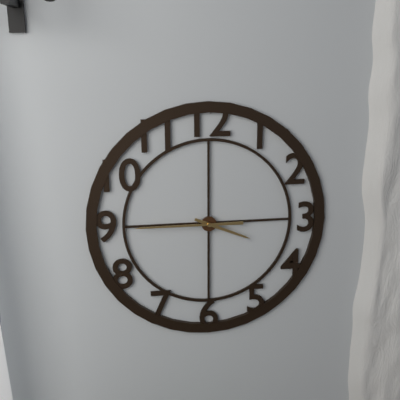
3:45
